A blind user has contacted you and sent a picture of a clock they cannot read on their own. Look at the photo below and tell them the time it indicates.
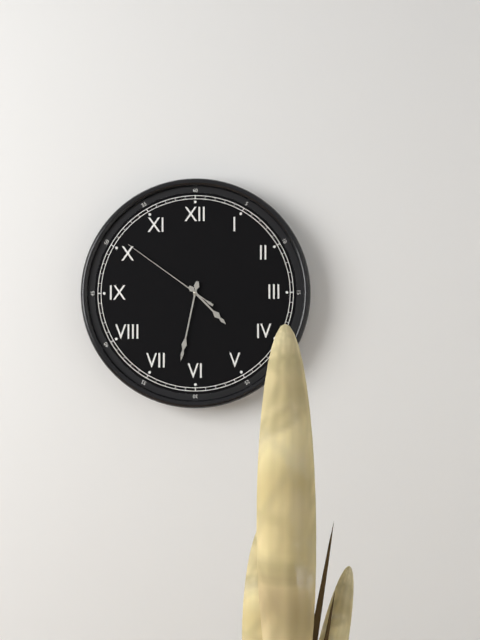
4:32:51
